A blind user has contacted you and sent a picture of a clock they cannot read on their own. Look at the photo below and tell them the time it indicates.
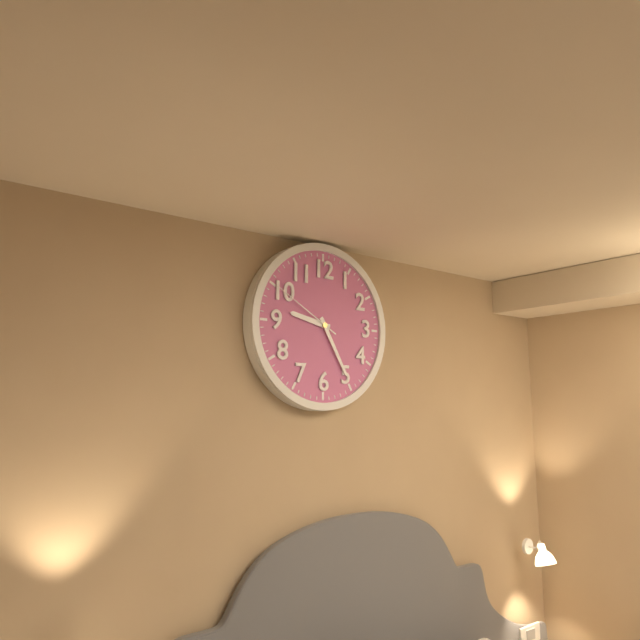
9:25:50
